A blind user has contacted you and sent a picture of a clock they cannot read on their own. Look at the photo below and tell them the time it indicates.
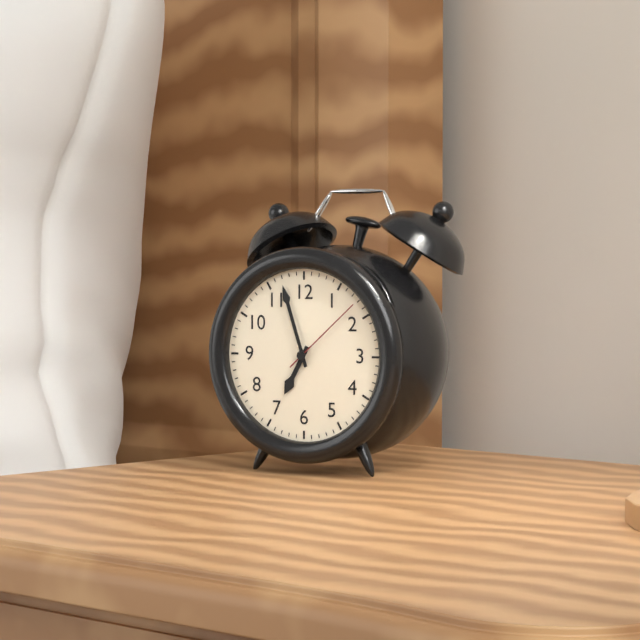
6:57:08
